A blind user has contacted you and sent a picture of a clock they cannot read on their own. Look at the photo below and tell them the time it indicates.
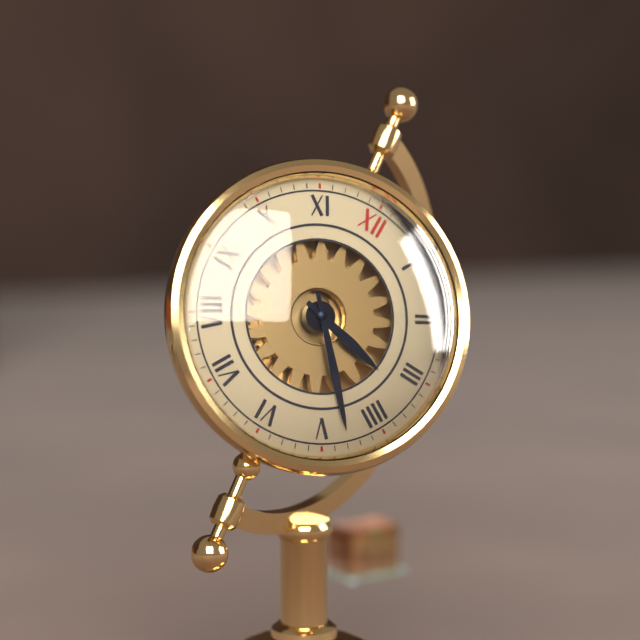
3:23
